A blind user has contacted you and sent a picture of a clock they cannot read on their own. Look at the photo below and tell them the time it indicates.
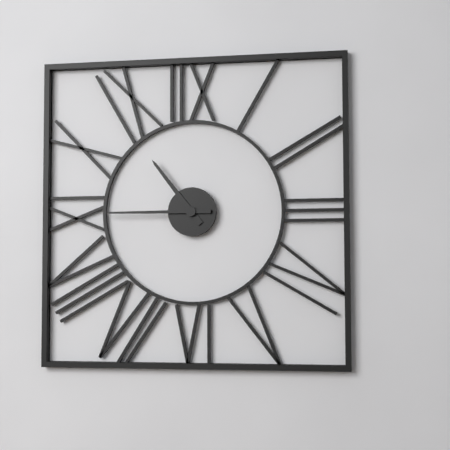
10:45
